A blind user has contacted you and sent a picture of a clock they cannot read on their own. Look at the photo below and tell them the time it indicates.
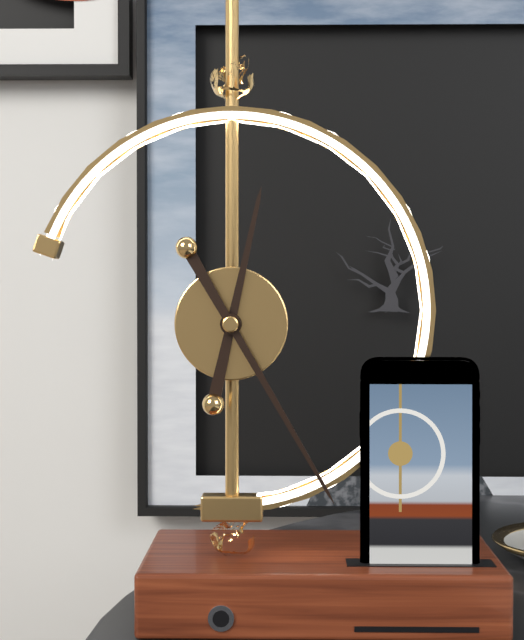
12:25
